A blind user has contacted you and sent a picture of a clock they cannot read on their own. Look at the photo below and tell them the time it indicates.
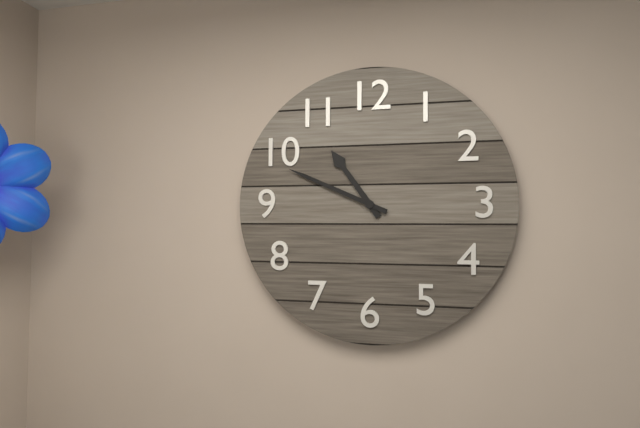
10:49
